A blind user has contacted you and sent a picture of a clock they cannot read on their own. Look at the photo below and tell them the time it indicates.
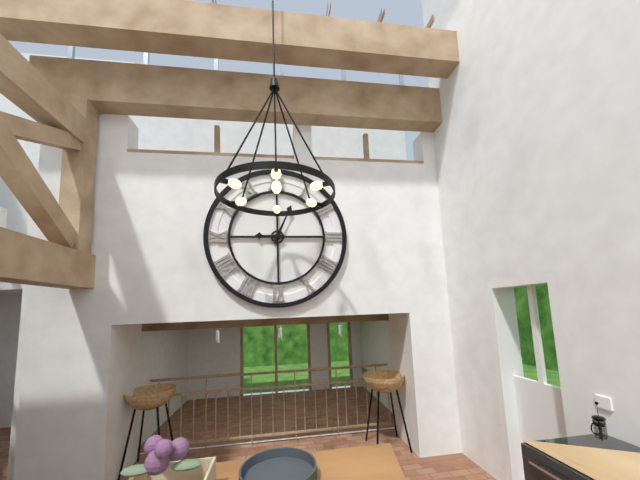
9:04
